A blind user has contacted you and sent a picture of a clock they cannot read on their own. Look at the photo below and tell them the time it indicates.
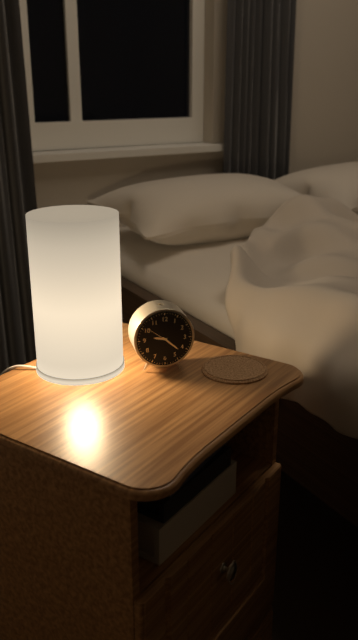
9:22
